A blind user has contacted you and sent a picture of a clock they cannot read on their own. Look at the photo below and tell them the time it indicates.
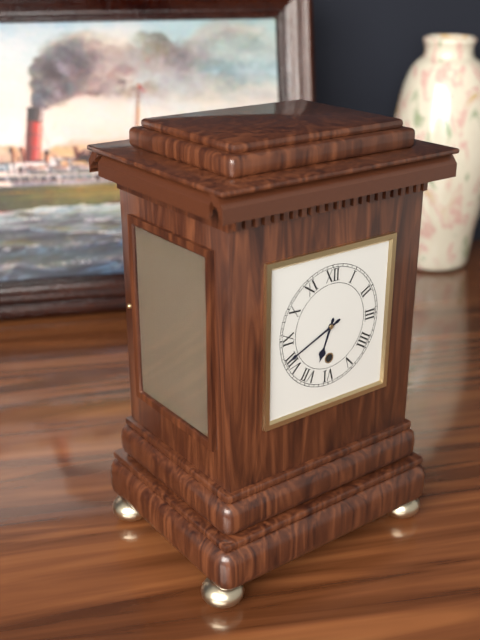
6:41
